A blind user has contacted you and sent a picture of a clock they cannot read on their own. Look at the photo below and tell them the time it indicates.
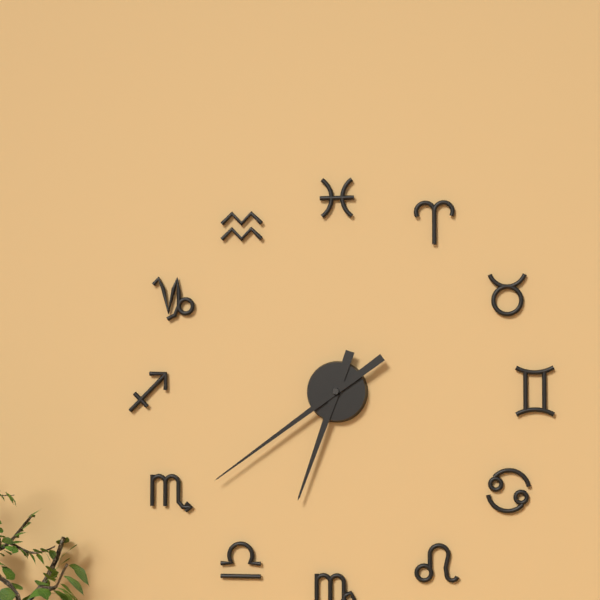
6:39
